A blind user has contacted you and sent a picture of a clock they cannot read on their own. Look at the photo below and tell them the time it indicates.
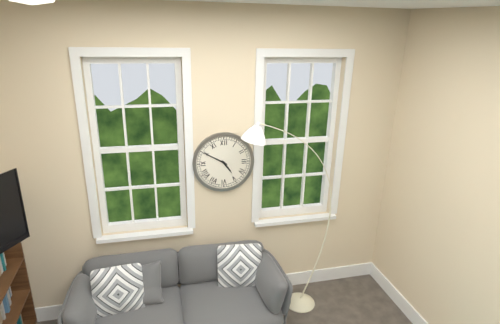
4:50
